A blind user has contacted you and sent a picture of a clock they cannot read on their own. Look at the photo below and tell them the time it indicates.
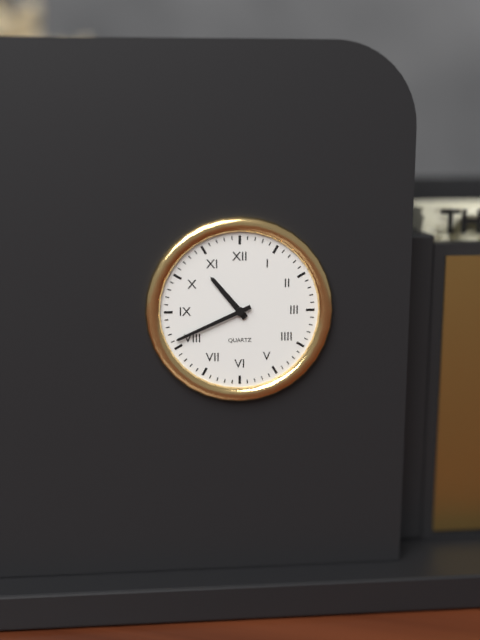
10:41
